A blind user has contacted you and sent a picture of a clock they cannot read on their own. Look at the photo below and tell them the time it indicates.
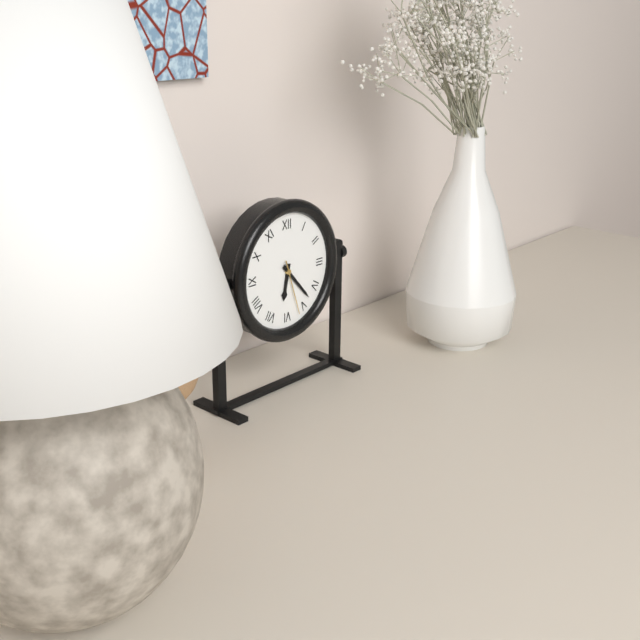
6:23:27
